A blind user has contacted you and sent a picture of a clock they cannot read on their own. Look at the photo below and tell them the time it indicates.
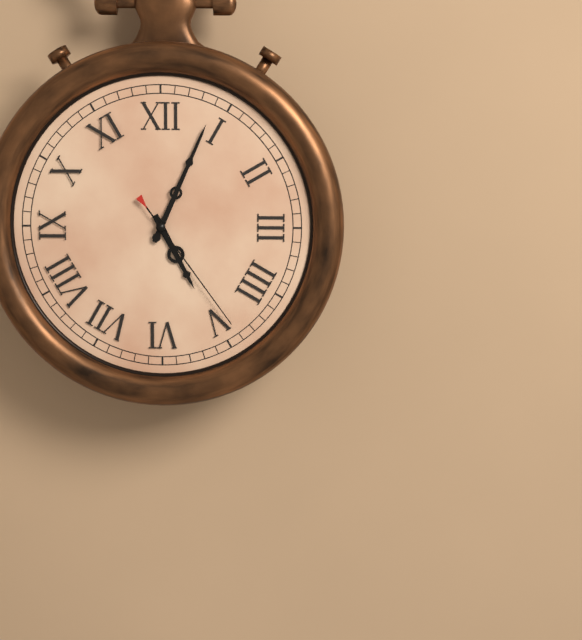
5:04:24
